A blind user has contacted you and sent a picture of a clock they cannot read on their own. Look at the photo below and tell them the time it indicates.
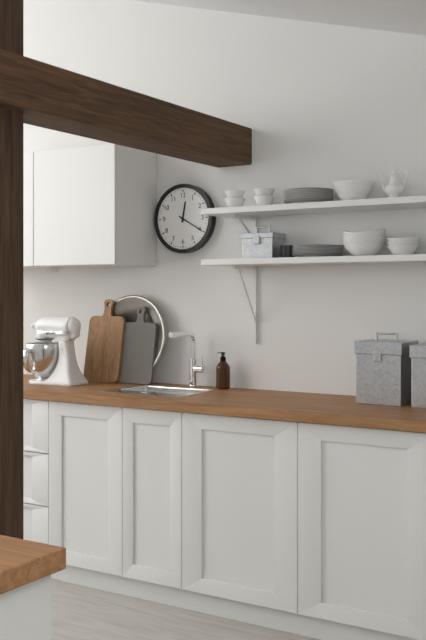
12:20
